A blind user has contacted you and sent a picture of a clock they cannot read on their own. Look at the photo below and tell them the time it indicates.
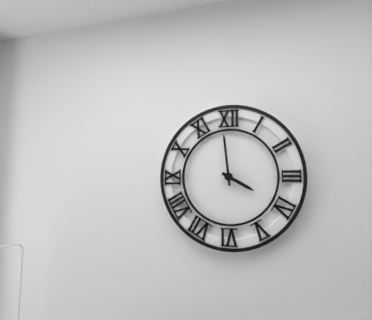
3:59
